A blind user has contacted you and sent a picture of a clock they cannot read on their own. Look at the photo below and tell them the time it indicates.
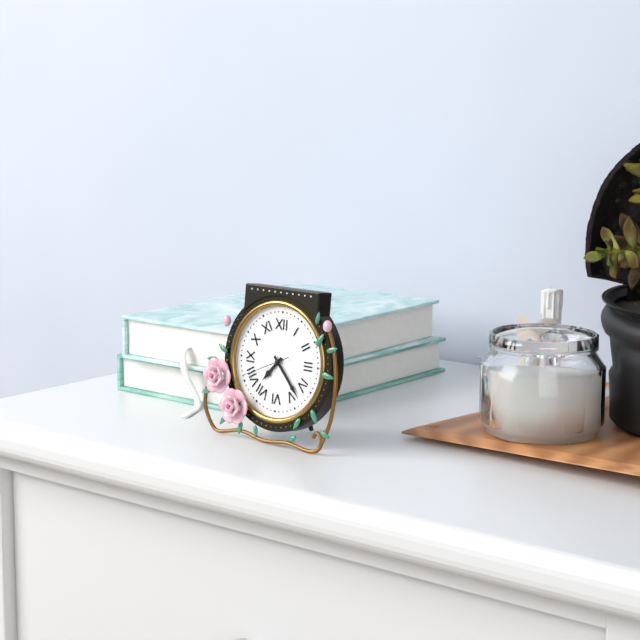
7:23:41
